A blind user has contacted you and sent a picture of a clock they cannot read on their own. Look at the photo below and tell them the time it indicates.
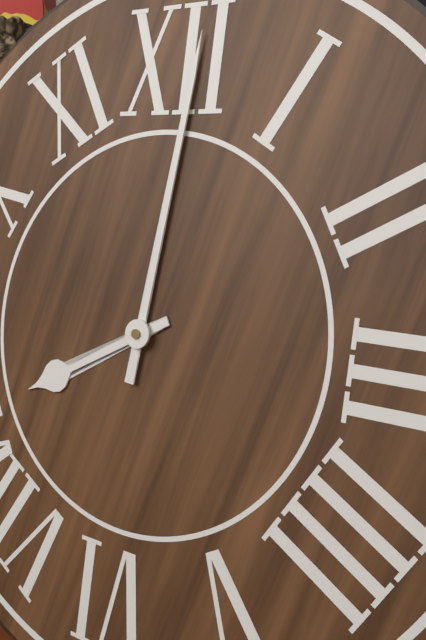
8:01
